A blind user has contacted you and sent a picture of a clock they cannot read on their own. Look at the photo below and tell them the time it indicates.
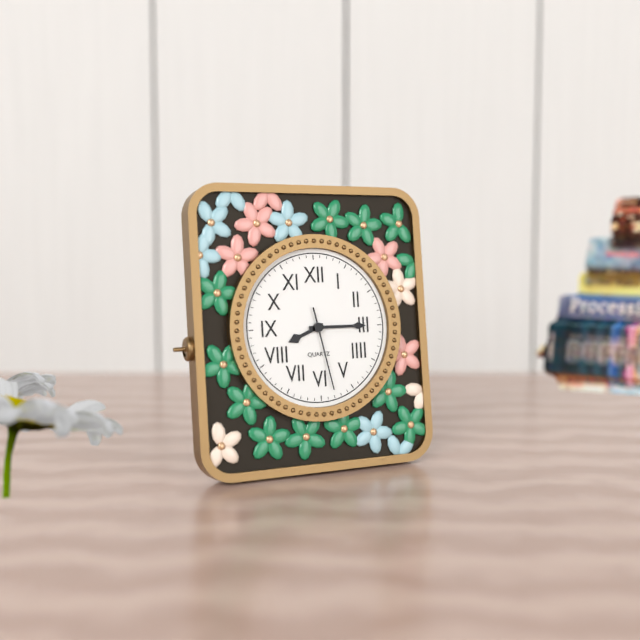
8:15:28
